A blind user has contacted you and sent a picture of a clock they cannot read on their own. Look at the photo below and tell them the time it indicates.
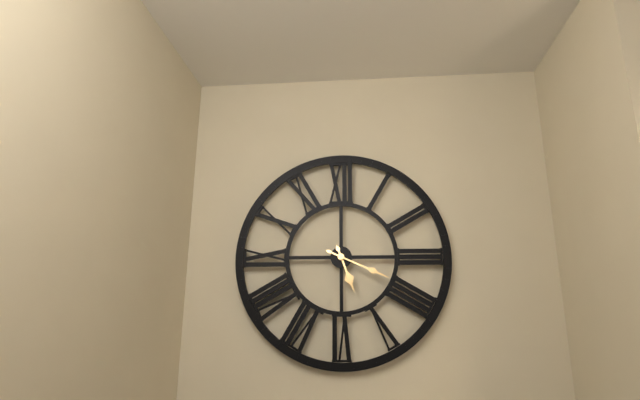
5:19
